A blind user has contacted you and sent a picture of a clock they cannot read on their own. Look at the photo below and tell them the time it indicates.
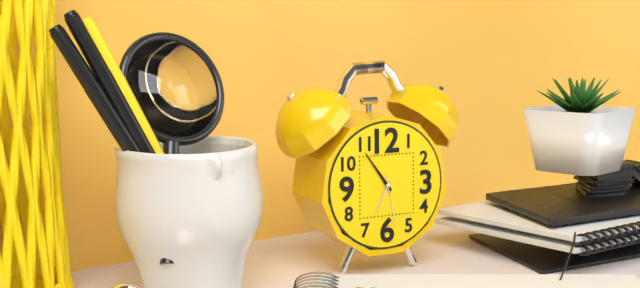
6:54:28
